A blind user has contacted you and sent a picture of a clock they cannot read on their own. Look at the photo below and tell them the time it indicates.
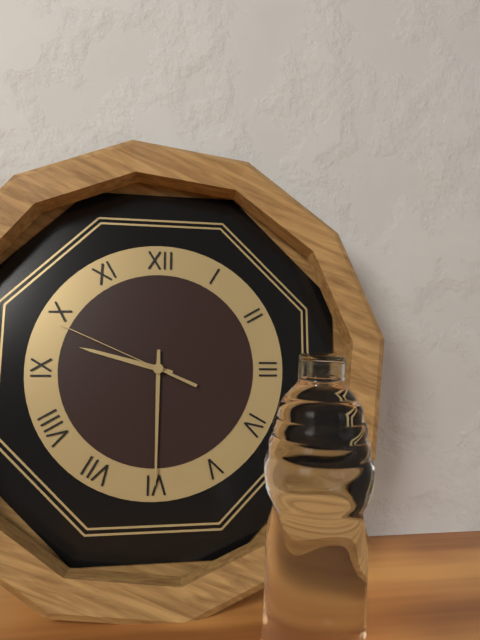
9:30:49
